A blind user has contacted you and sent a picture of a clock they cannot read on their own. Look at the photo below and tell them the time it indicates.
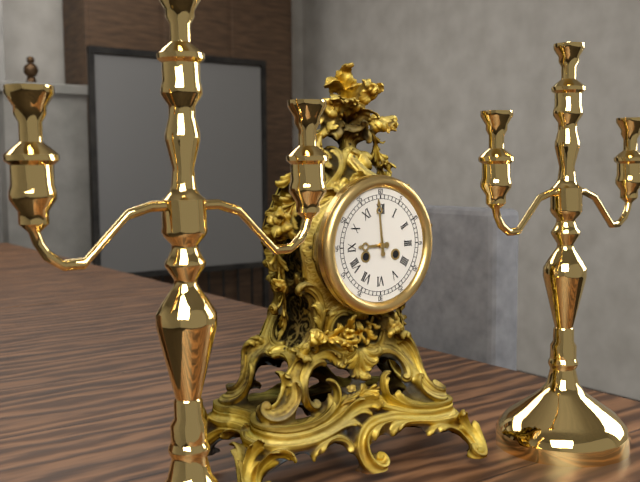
8:59
